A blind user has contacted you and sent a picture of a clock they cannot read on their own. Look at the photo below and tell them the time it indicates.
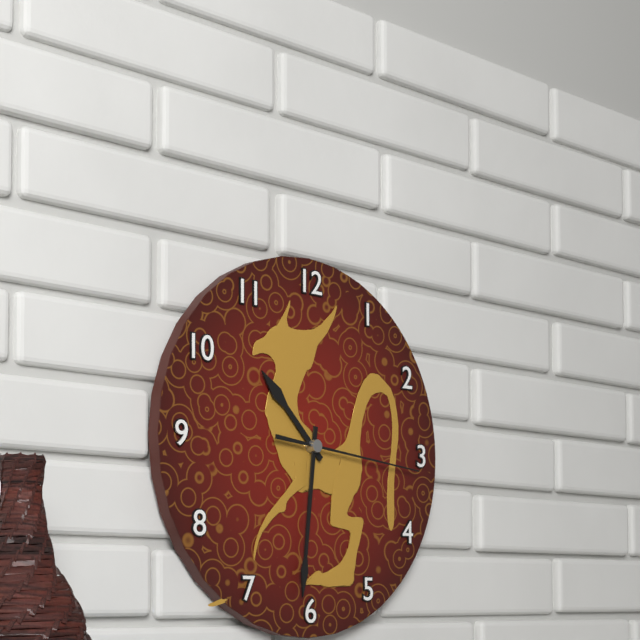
10:31:16
